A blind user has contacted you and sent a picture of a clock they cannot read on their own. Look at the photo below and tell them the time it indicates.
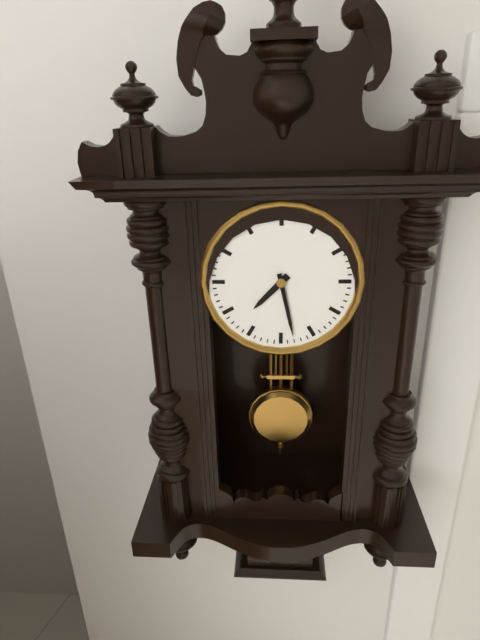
7:28
